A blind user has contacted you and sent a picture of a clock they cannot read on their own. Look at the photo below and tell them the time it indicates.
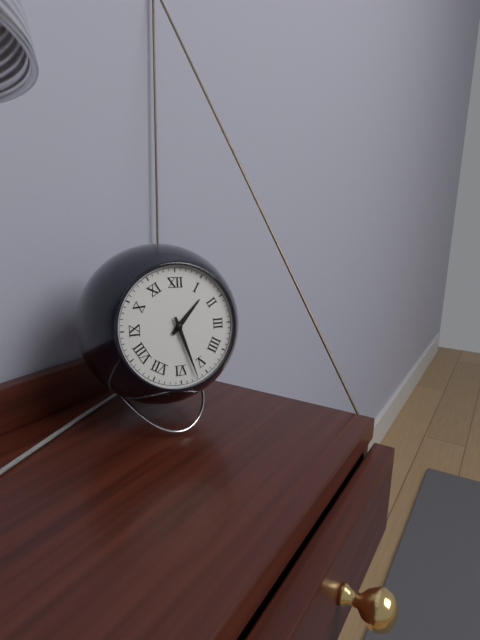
1:27
